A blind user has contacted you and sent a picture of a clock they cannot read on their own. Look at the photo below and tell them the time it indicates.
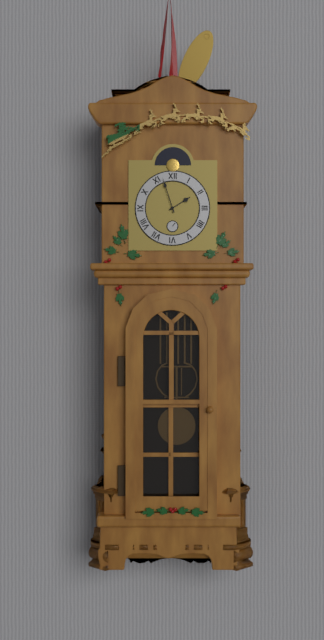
1:57
